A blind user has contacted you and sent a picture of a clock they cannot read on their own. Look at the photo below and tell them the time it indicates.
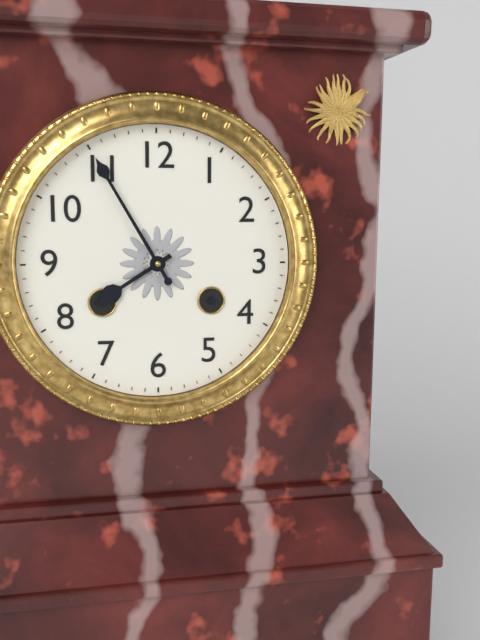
7:55
